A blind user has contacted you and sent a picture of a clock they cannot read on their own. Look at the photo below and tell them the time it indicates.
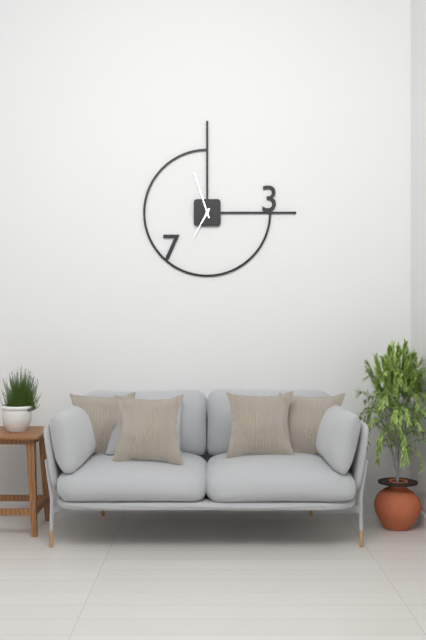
6:57
